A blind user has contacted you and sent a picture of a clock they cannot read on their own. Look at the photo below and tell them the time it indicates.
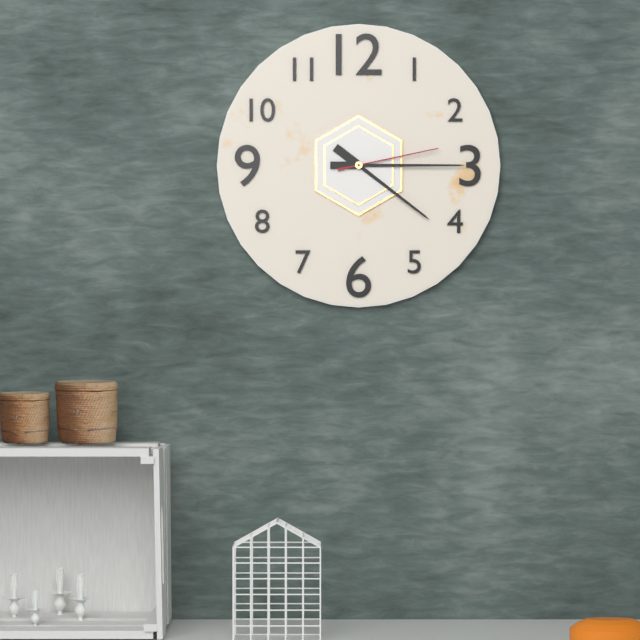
4:15:13
